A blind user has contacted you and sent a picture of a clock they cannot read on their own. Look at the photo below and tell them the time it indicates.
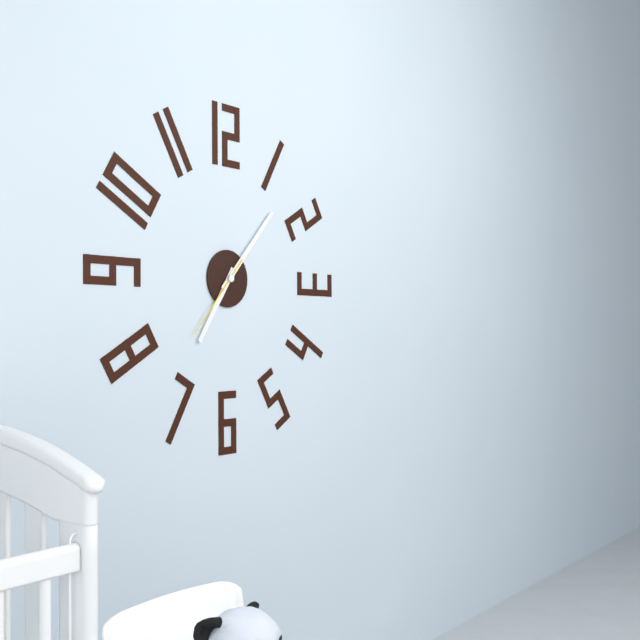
7:07:37
